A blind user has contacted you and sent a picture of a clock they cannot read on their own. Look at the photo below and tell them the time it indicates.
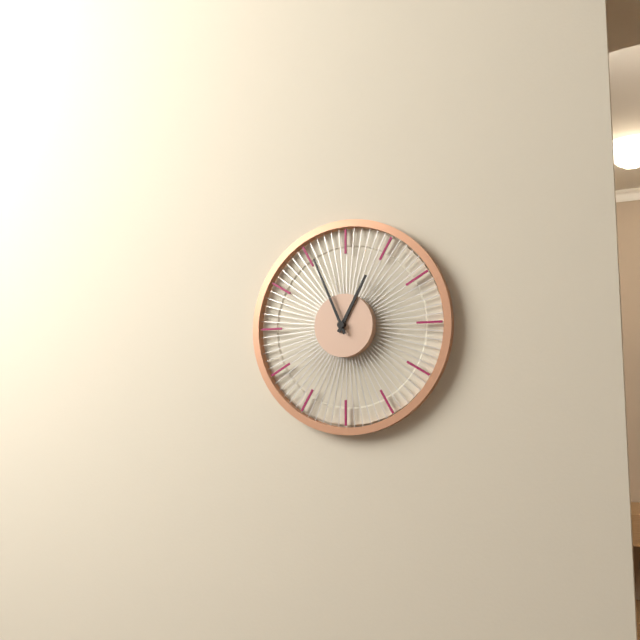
12:56
